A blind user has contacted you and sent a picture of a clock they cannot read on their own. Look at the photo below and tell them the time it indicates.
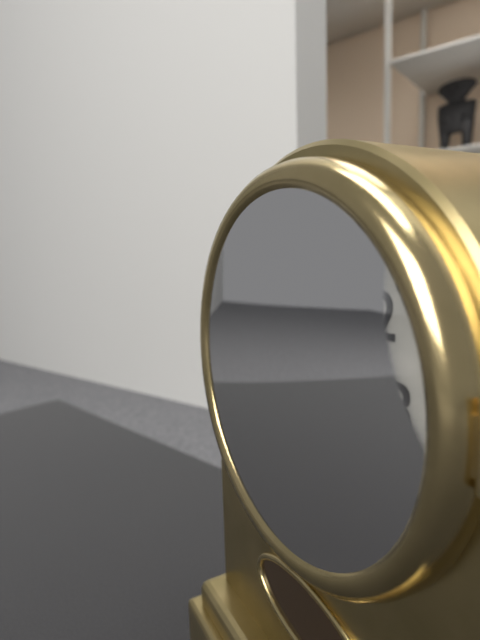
8:46
